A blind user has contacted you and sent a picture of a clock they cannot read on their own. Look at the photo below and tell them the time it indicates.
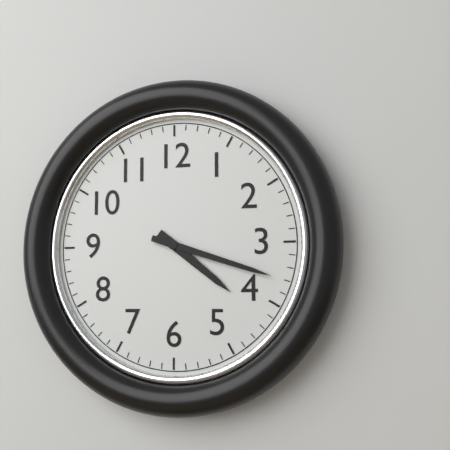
4:18
